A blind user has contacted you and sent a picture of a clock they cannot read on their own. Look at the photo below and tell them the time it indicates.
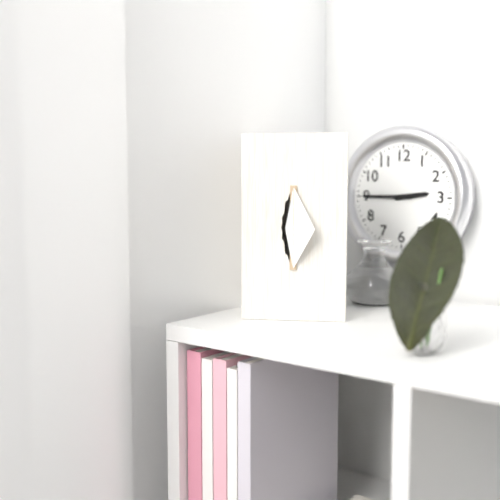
2:45
